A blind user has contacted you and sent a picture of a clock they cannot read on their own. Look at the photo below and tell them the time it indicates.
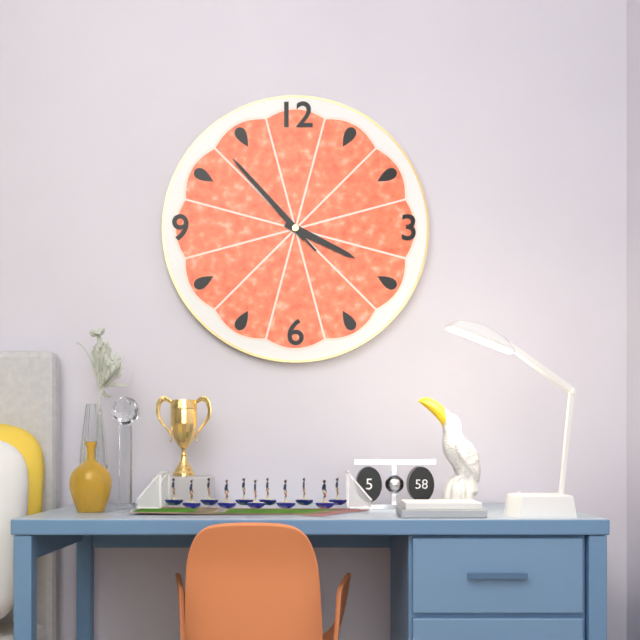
3:53:53
